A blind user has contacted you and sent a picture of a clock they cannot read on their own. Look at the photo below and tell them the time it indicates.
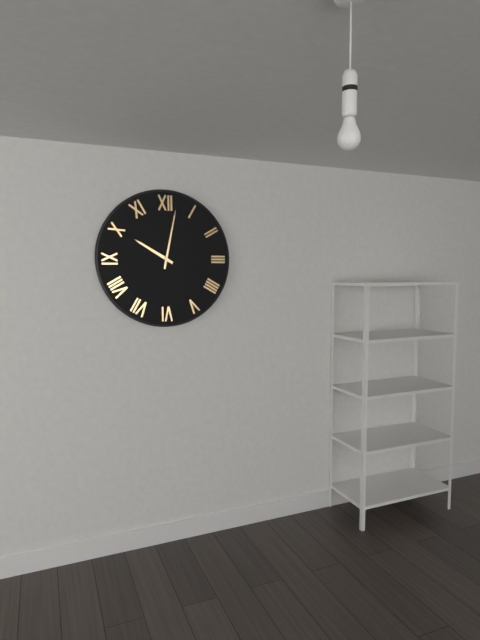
10:02
